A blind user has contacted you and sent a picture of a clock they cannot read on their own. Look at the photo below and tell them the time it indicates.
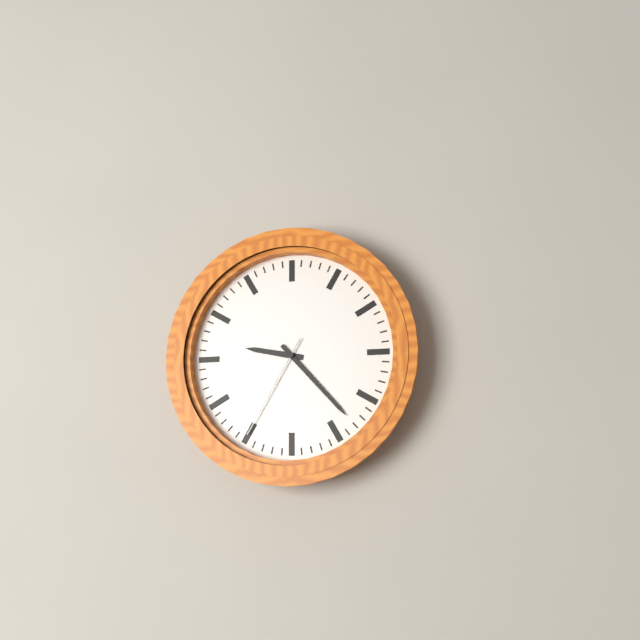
9:23:35
